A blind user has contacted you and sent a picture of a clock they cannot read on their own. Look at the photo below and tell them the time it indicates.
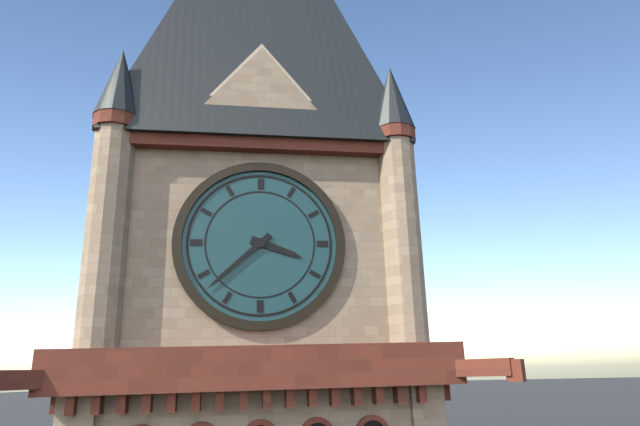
3:38
